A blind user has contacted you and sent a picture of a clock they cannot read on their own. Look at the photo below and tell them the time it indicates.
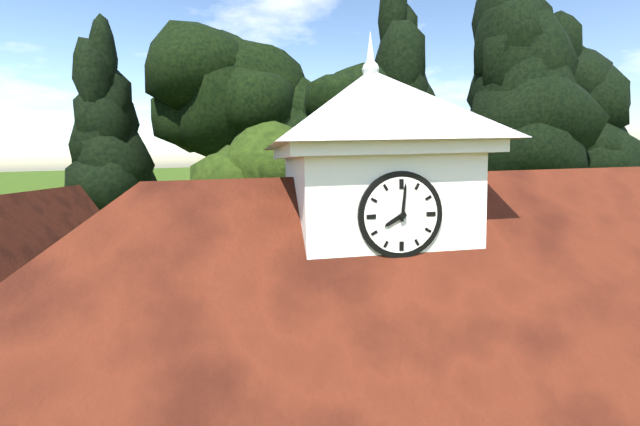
8:01
